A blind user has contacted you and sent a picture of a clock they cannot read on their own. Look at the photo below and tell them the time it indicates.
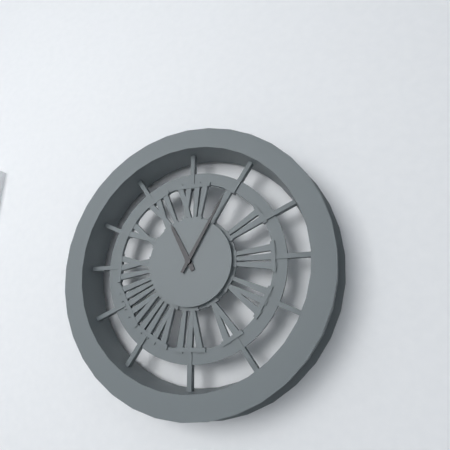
11:05
